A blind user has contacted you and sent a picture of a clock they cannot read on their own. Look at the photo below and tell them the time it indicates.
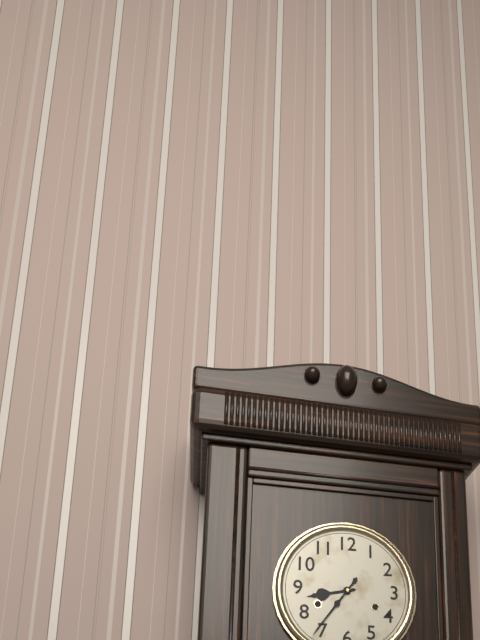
8:36
